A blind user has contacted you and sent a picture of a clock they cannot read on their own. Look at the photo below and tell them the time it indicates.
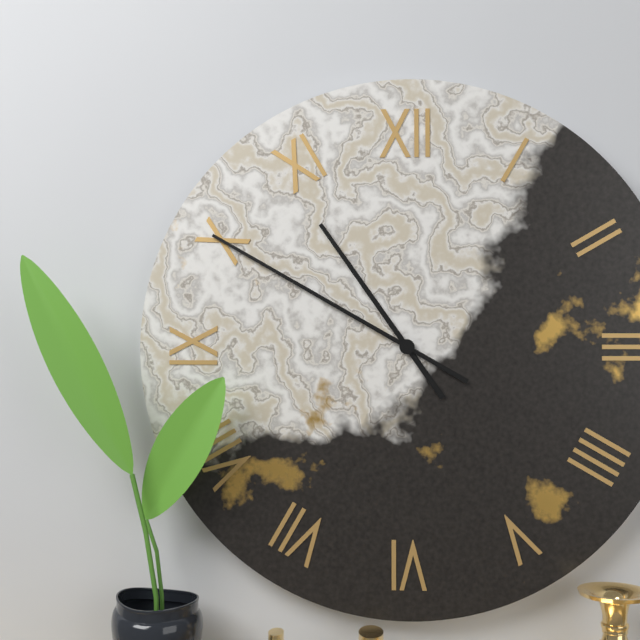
10:50
